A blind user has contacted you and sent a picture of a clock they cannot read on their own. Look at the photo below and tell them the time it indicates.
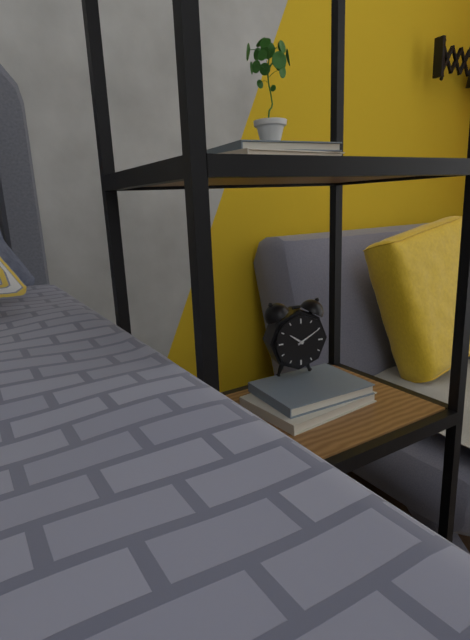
10:10
